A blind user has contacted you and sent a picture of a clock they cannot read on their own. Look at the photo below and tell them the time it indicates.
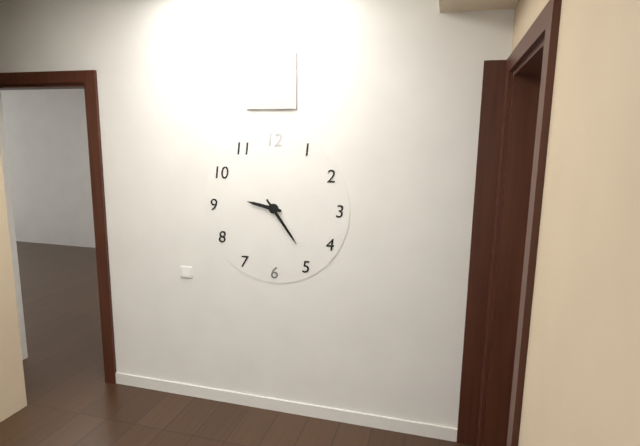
9:24
